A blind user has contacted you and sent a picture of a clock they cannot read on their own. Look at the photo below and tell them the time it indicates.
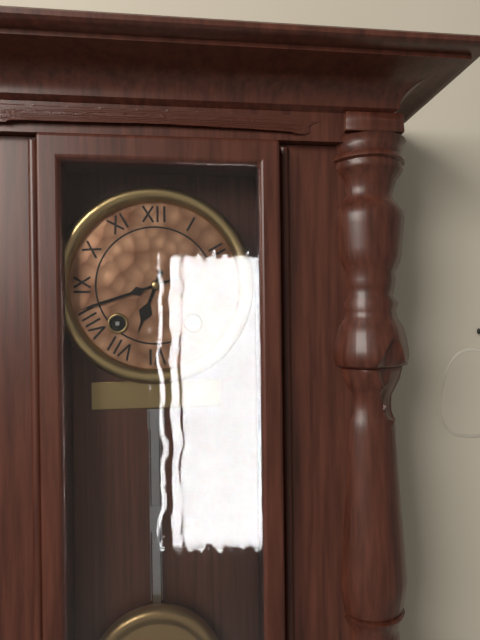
6:42
